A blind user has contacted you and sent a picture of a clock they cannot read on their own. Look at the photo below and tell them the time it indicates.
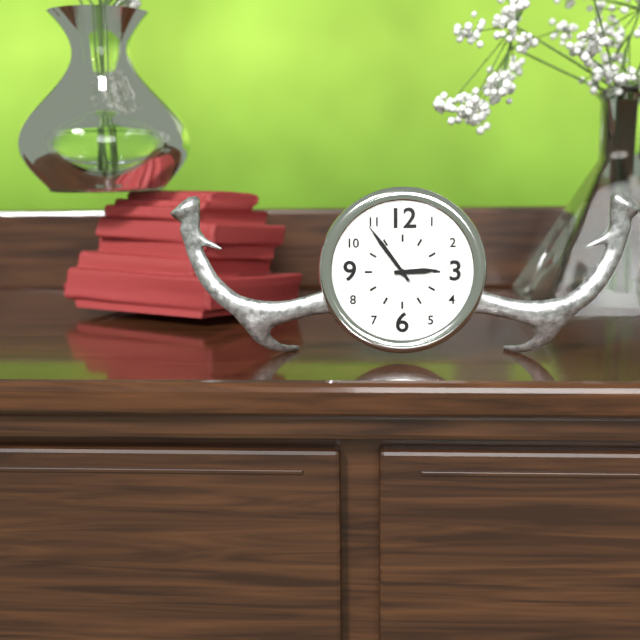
2:54
